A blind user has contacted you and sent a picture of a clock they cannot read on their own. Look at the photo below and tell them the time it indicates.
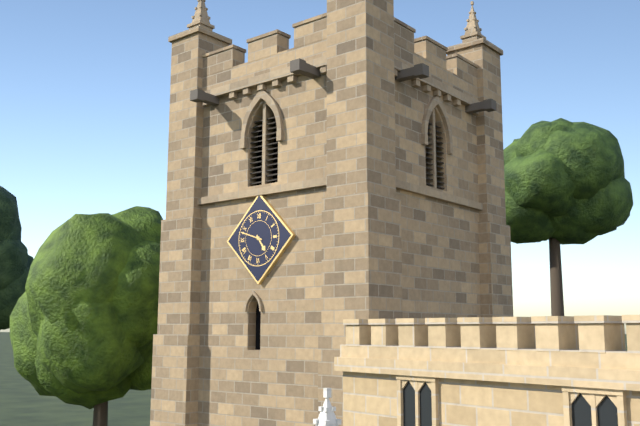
4:48
